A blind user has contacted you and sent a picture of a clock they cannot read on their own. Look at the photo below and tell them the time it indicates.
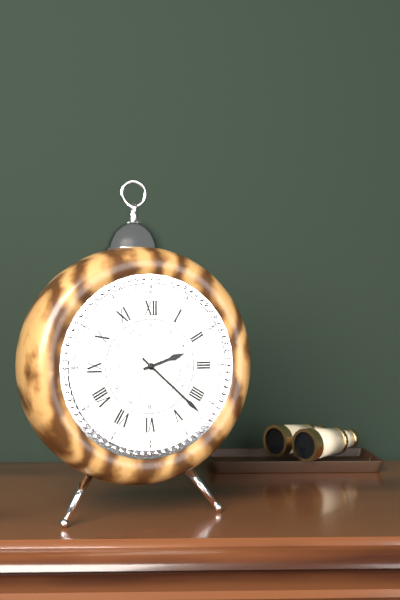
2:22
